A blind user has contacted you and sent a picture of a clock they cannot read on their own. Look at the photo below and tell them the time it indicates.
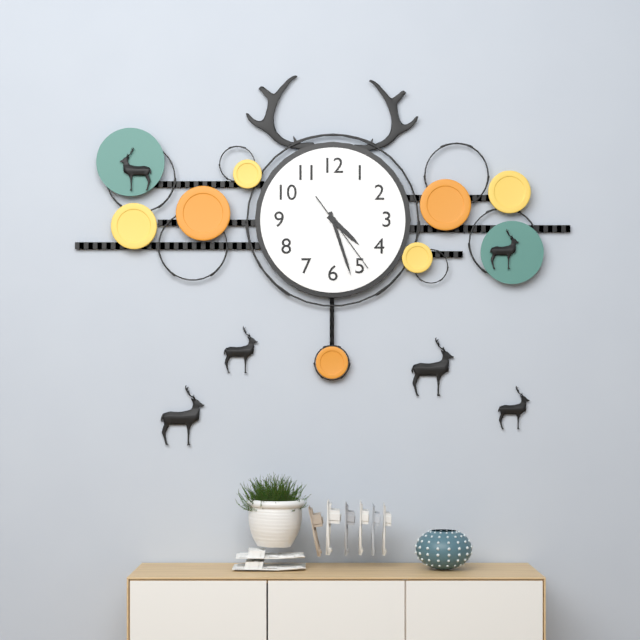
4:27:24
